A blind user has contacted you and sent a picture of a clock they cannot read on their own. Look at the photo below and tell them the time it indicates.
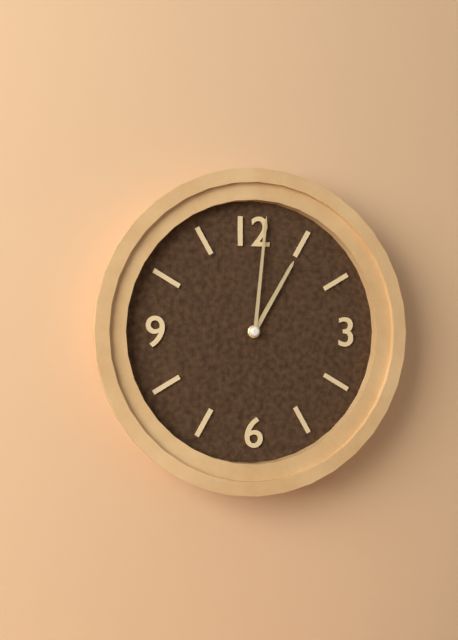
1:01
